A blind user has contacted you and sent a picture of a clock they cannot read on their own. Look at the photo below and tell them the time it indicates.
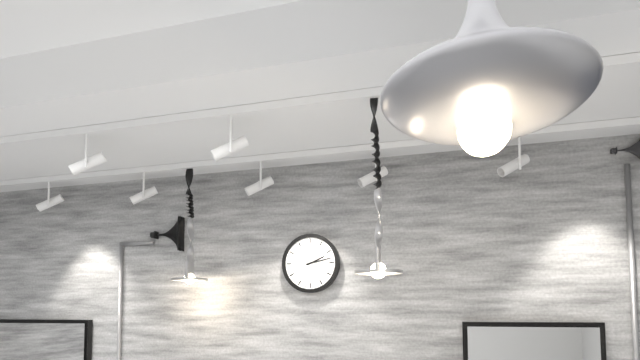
2:13
